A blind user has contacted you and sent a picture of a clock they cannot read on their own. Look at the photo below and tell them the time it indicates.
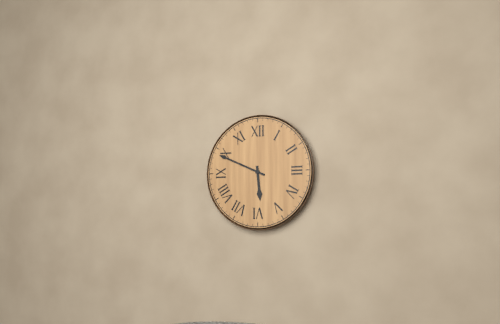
5:49
